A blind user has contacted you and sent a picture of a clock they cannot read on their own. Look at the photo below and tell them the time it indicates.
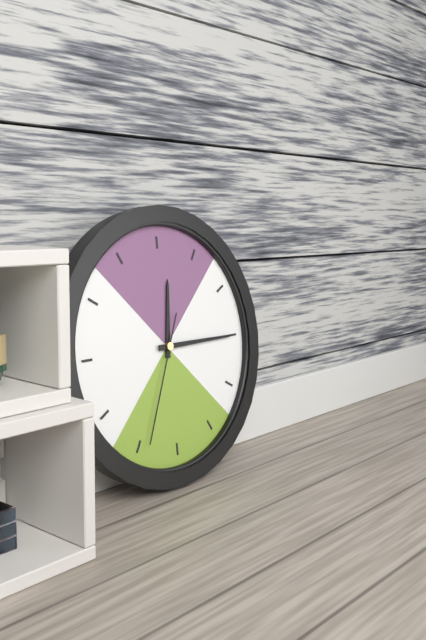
12:15:34
